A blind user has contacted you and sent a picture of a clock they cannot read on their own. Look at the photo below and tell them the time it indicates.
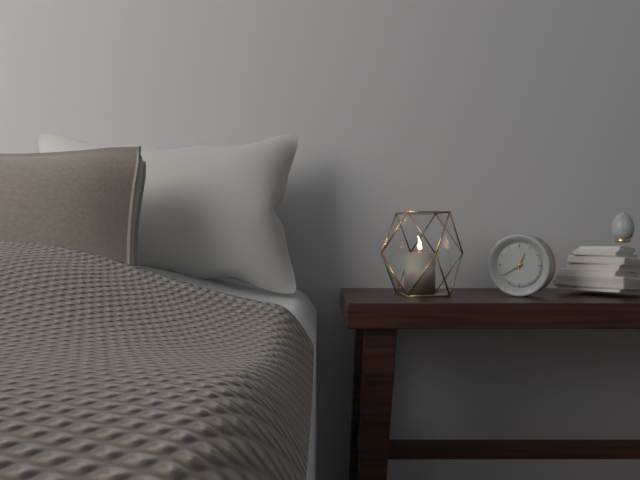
12:40
